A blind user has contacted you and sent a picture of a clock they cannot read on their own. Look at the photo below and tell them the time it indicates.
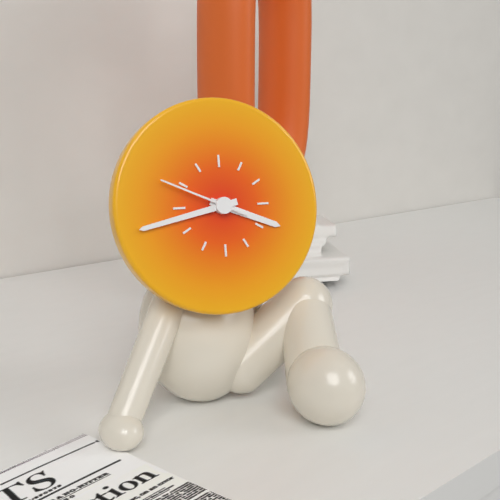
3:43:49
